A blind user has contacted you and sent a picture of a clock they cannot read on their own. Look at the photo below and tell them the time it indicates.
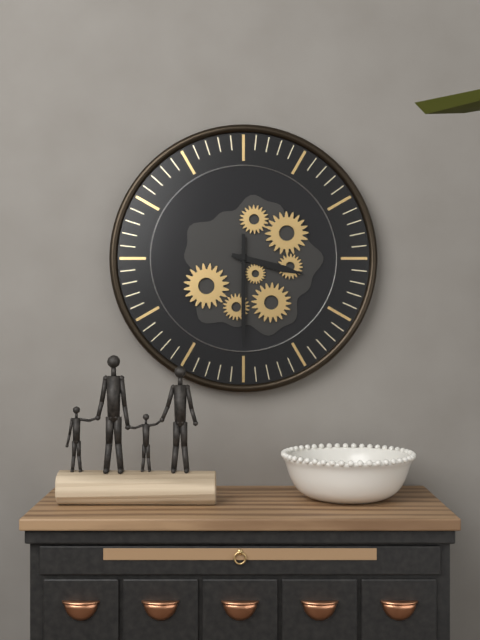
3:30
